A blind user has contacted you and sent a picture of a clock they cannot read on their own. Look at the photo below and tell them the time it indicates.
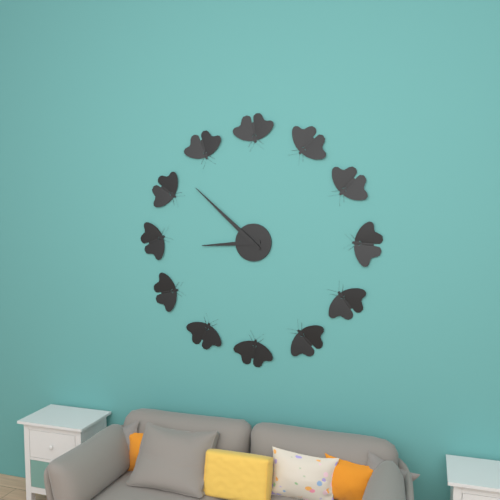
8:52
